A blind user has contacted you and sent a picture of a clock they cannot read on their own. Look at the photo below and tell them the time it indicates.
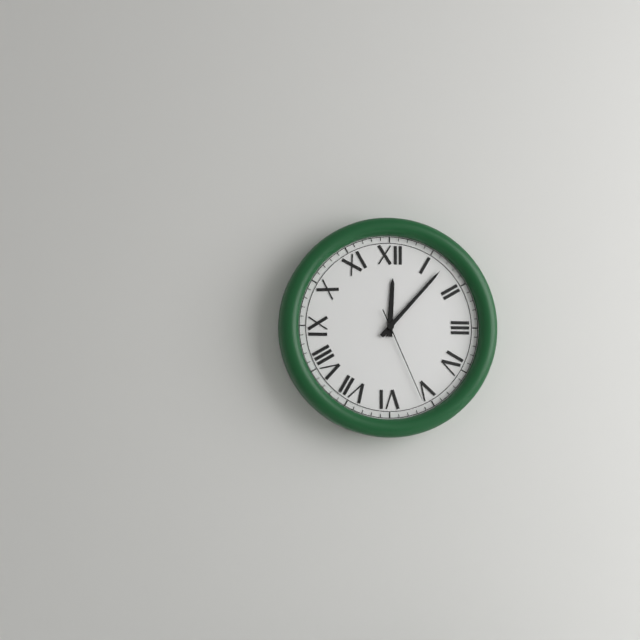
12:07:26
